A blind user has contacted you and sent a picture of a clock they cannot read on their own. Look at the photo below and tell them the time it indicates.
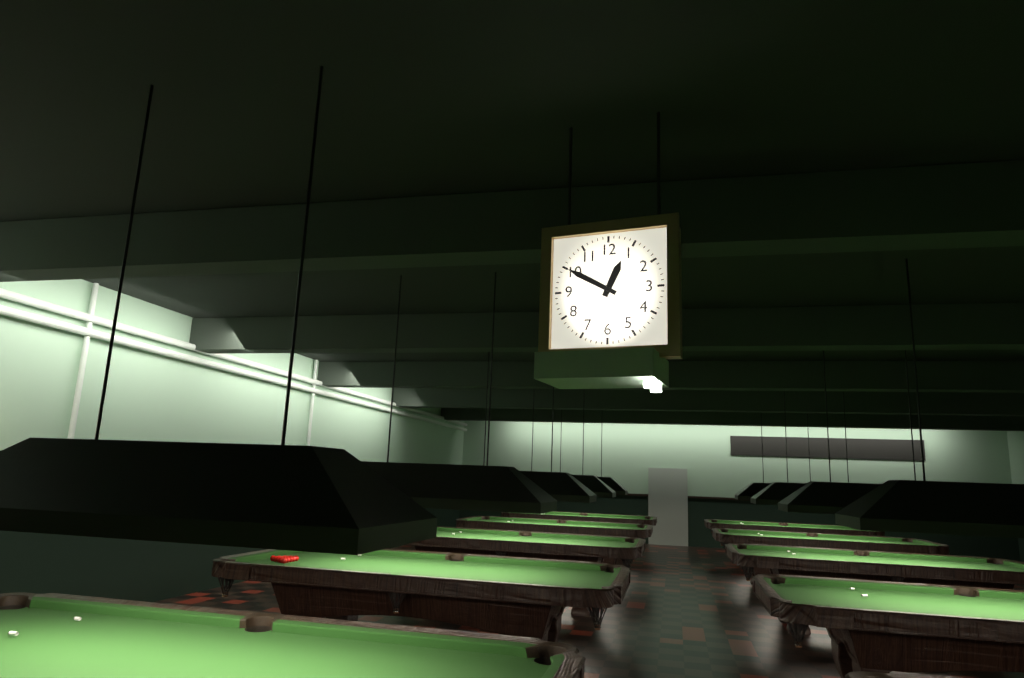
12:50
